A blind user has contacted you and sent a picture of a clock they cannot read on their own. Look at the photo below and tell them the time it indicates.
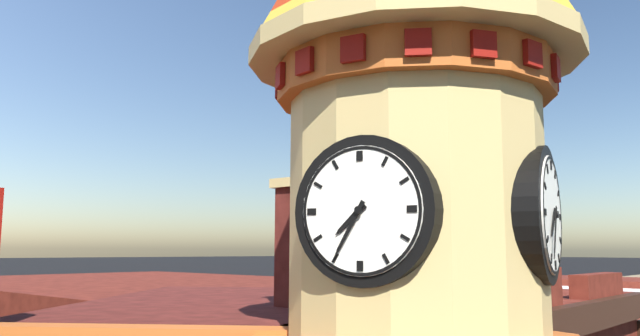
7:35
